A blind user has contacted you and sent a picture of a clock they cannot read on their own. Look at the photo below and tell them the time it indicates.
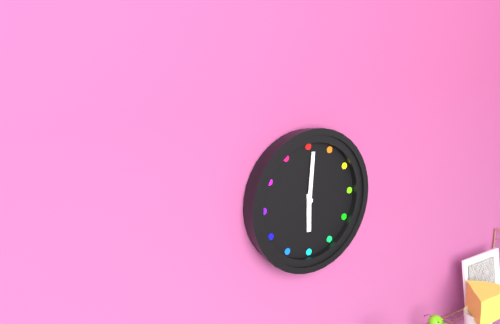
6:01
